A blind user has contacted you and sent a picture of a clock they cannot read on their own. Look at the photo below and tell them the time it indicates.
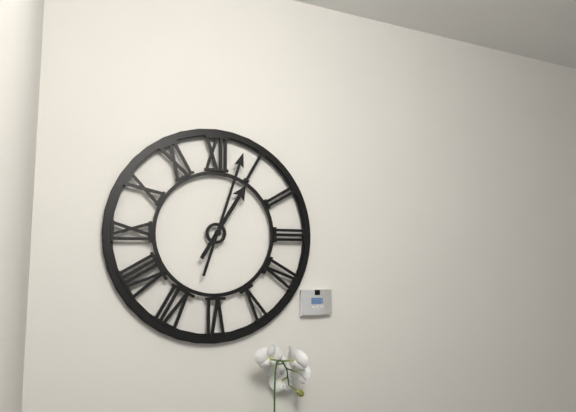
1:03
